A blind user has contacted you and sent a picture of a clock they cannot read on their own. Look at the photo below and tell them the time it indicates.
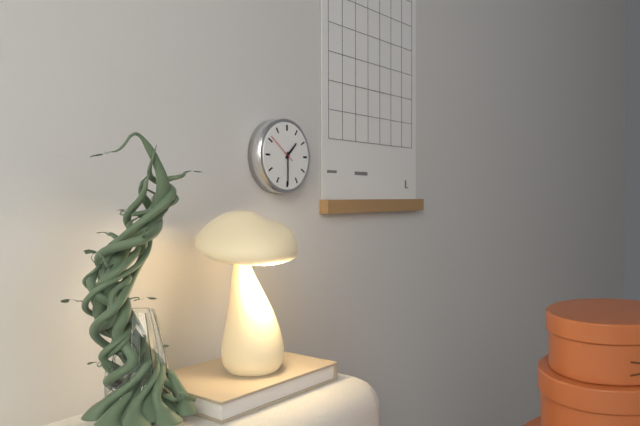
1:30
